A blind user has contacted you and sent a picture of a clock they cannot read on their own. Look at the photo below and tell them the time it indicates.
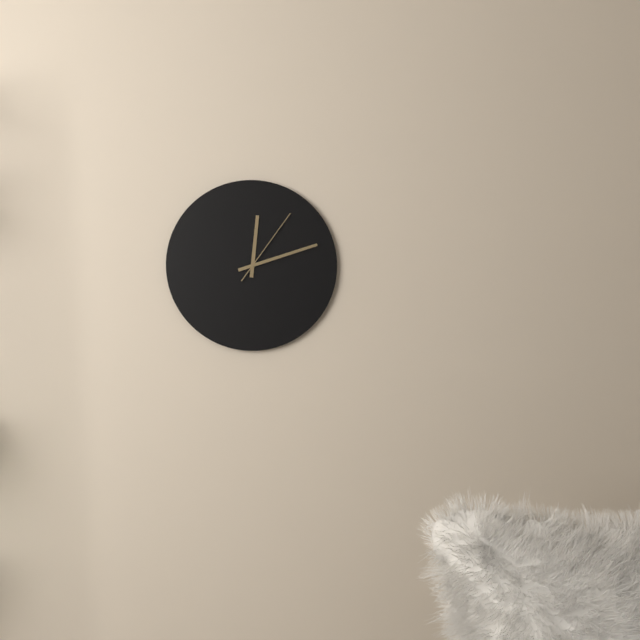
12:12:06
